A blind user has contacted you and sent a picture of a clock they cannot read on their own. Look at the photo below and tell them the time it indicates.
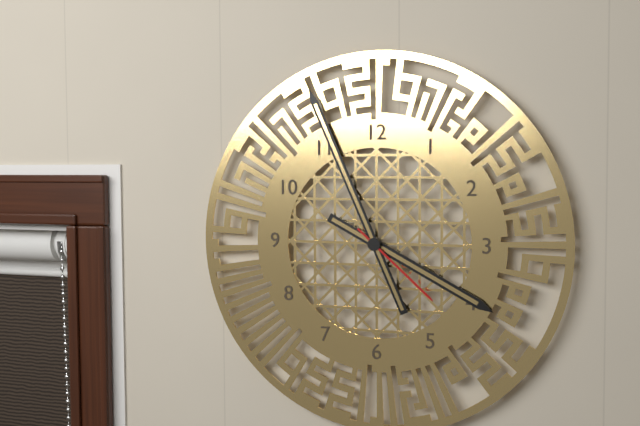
3:56:22
